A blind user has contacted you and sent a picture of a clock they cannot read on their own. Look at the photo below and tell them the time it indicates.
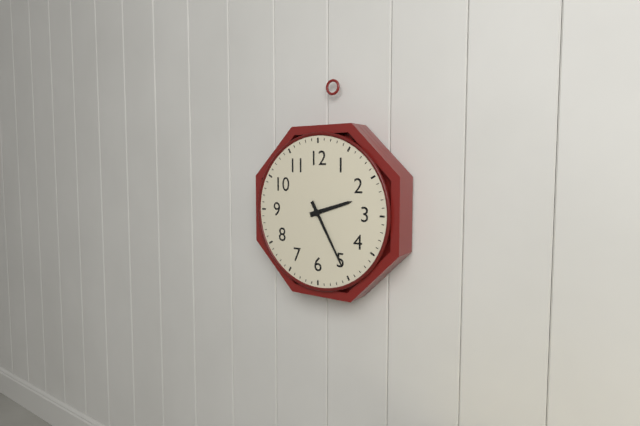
2:25
